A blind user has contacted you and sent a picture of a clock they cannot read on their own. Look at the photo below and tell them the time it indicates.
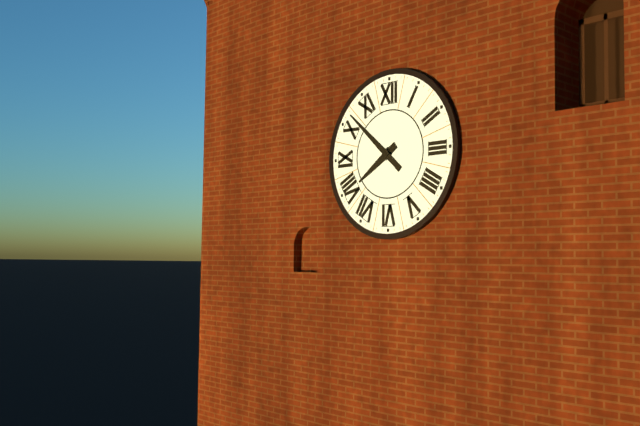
7:52
